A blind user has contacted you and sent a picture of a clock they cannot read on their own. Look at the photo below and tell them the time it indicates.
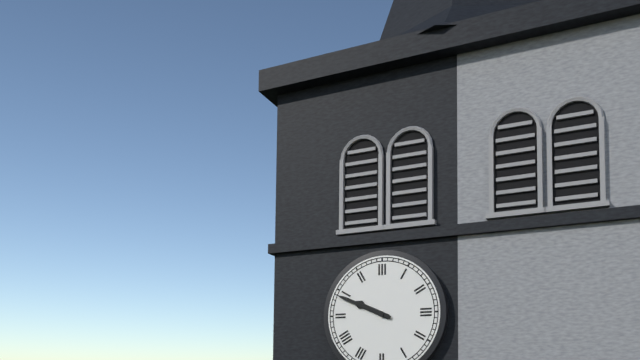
9:49
